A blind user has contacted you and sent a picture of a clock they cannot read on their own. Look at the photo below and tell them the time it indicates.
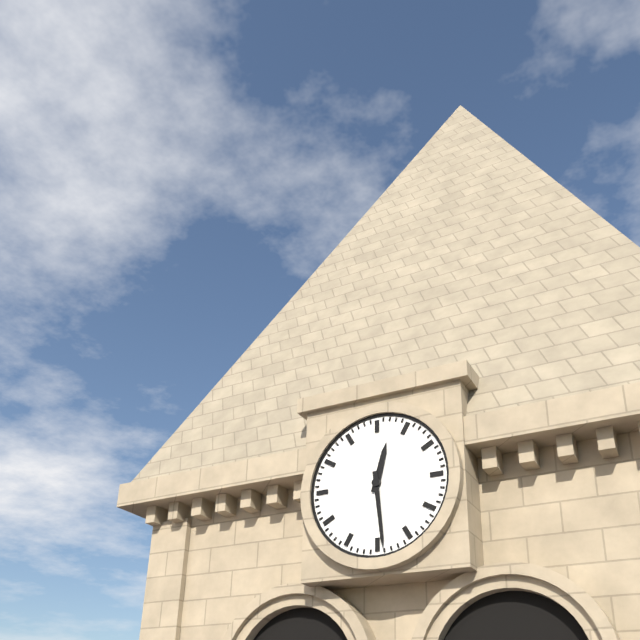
12:29
